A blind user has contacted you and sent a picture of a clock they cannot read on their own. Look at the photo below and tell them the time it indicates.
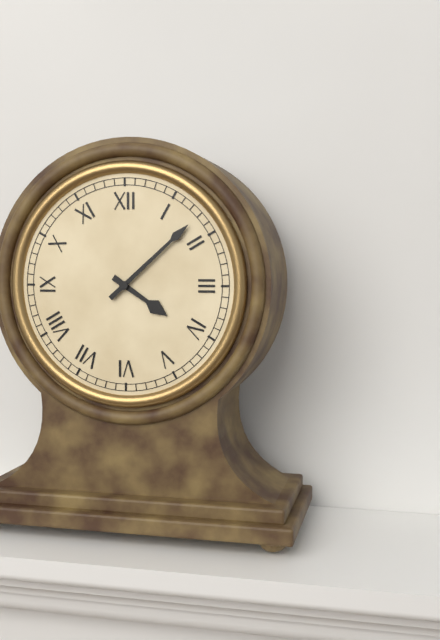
4:08
